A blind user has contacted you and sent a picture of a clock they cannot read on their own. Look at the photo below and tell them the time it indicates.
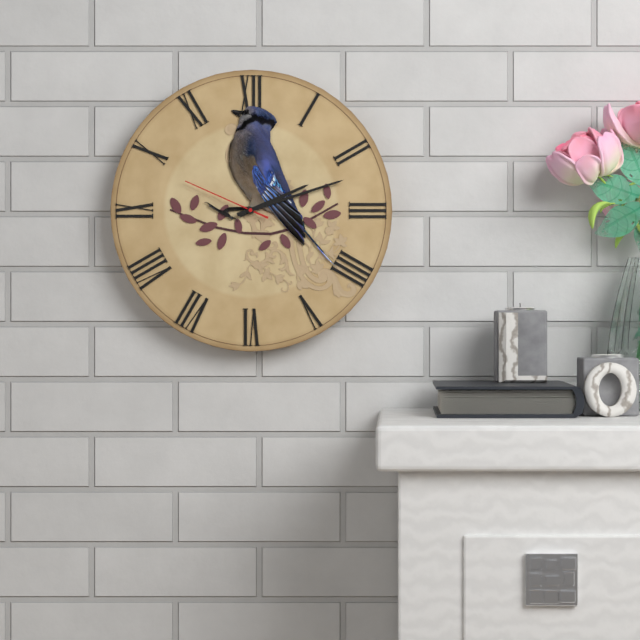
2:12:49
